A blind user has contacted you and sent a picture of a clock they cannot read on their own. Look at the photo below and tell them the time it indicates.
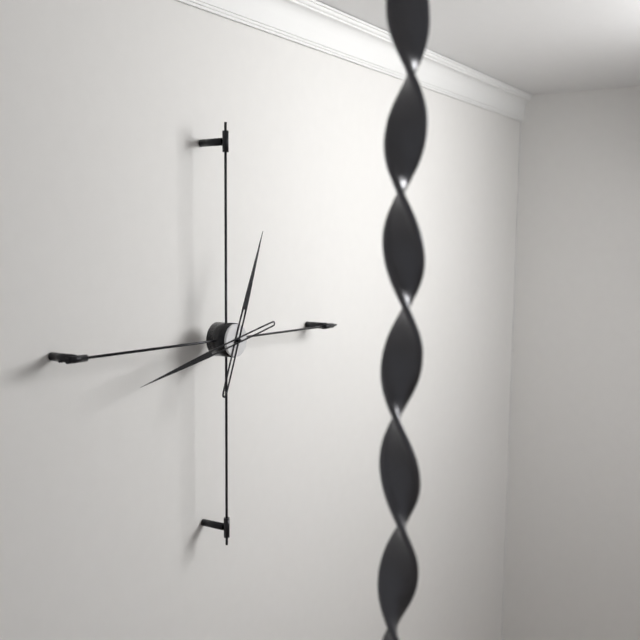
12:43
